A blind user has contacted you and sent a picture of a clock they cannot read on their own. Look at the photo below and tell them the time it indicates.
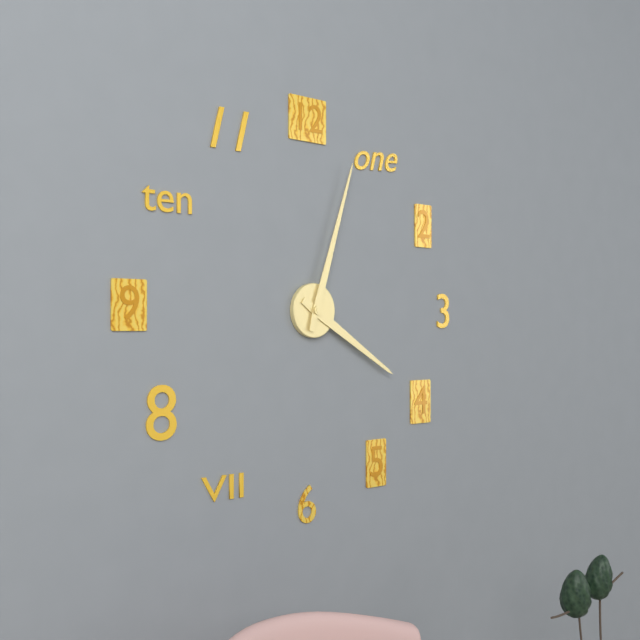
4:03
